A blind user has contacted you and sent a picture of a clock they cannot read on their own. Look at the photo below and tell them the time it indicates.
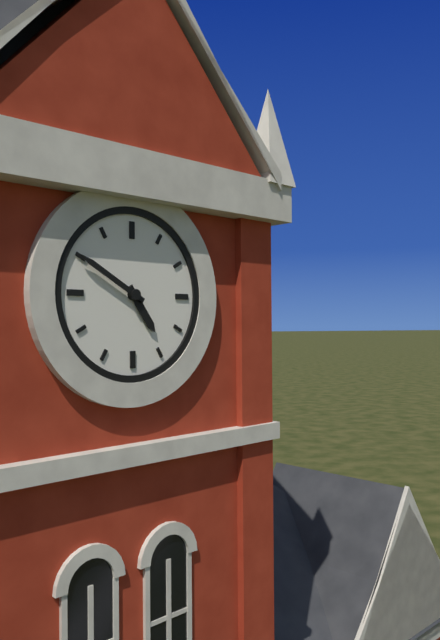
4:50
